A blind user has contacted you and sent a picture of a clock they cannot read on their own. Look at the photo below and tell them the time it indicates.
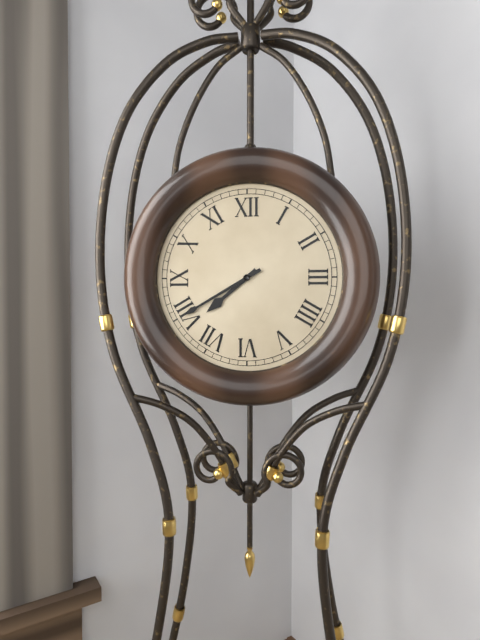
7:40
